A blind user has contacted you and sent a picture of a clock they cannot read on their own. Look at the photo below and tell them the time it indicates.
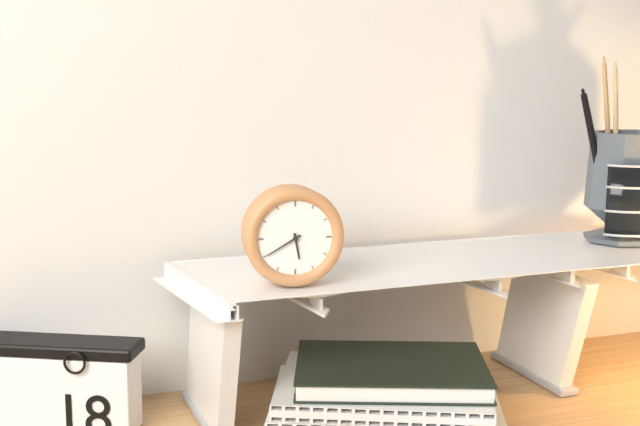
5:40
